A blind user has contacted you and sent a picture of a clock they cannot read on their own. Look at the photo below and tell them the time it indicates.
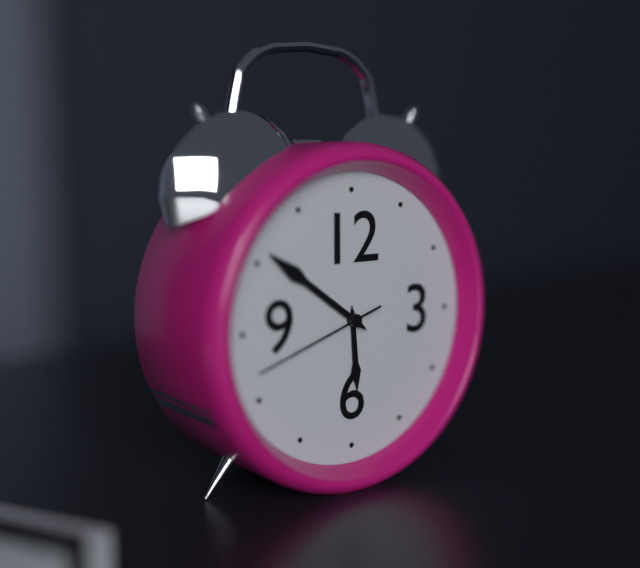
5:51:42
